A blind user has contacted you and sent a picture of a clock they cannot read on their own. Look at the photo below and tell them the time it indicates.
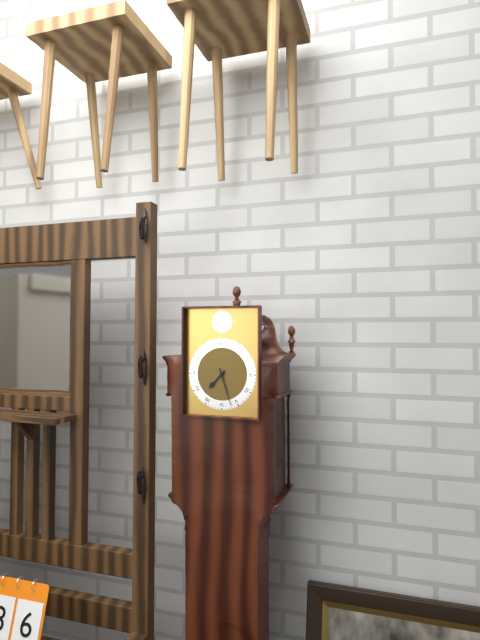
7:27
